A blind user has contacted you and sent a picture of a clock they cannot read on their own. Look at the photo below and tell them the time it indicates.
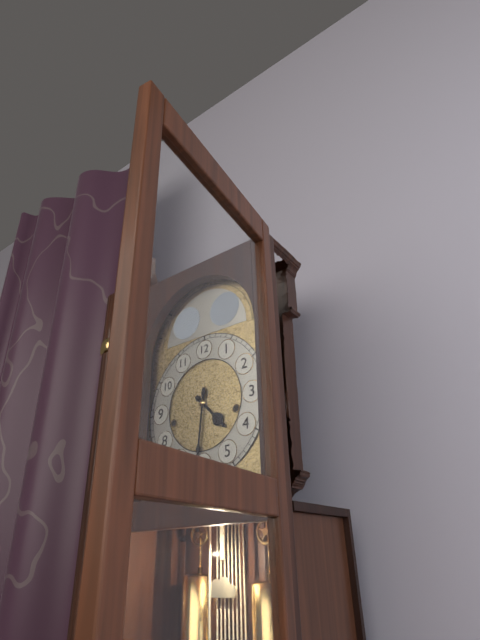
4:31
